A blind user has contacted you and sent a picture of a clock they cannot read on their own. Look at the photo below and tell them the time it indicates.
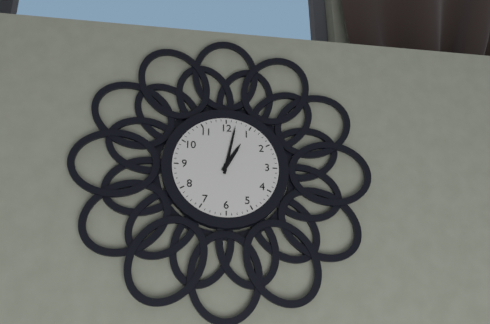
1:02
